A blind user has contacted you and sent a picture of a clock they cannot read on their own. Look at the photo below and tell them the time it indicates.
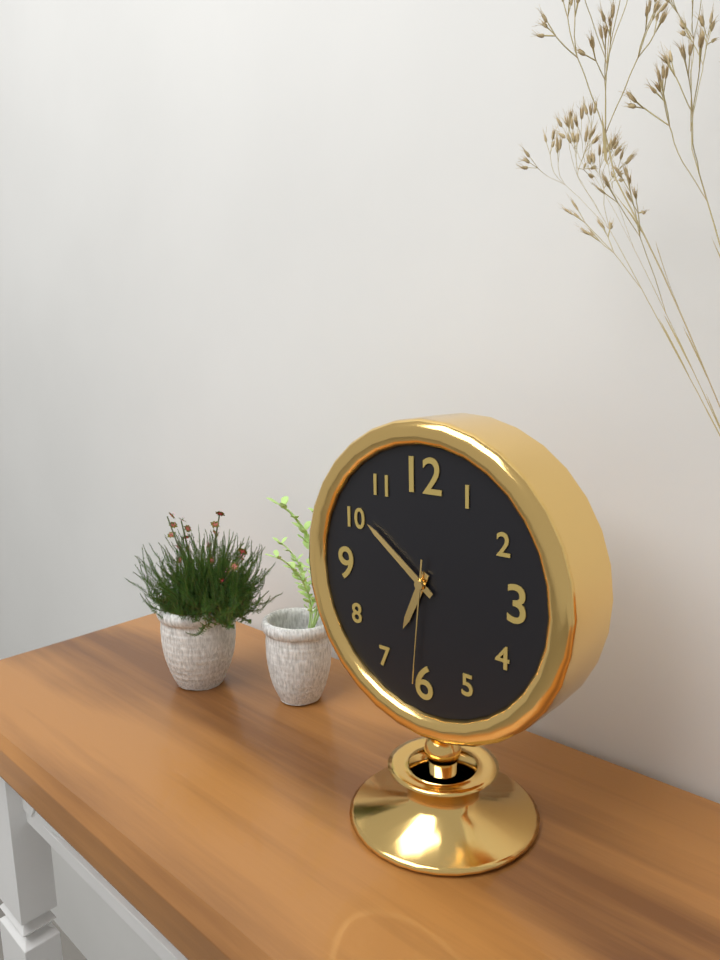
6:51:31
